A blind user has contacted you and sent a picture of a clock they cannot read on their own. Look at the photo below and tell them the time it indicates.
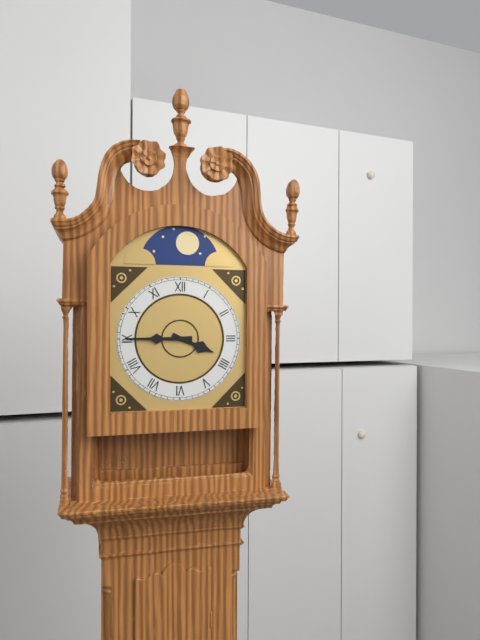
3:45
